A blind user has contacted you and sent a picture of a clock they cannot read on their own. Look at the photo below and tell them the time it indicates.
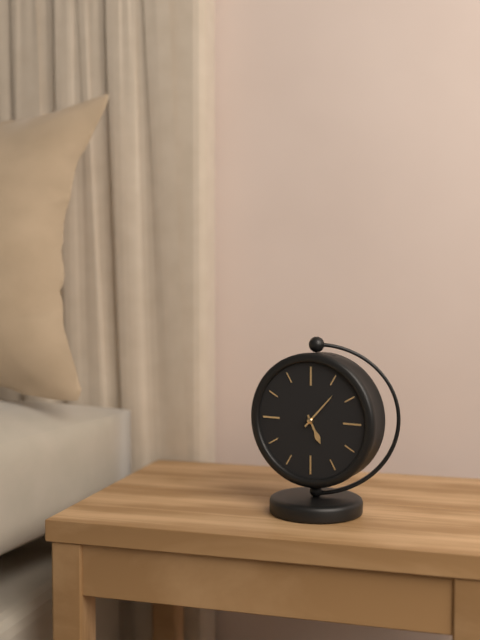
5:07
